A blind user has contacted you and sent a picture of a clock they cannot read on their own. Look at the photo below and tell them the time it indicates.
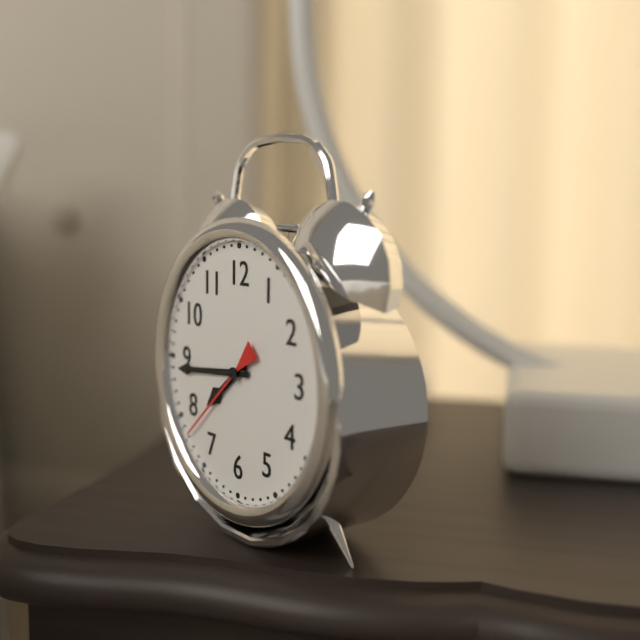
7:44:38
